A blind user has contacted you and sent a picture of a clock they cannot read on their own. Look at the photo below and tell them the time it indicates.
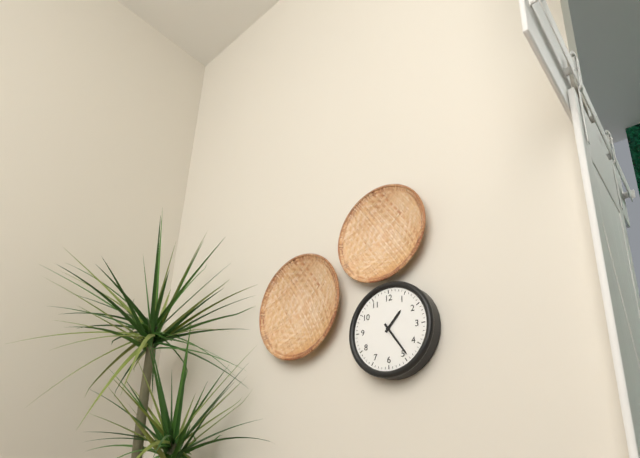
1:24
